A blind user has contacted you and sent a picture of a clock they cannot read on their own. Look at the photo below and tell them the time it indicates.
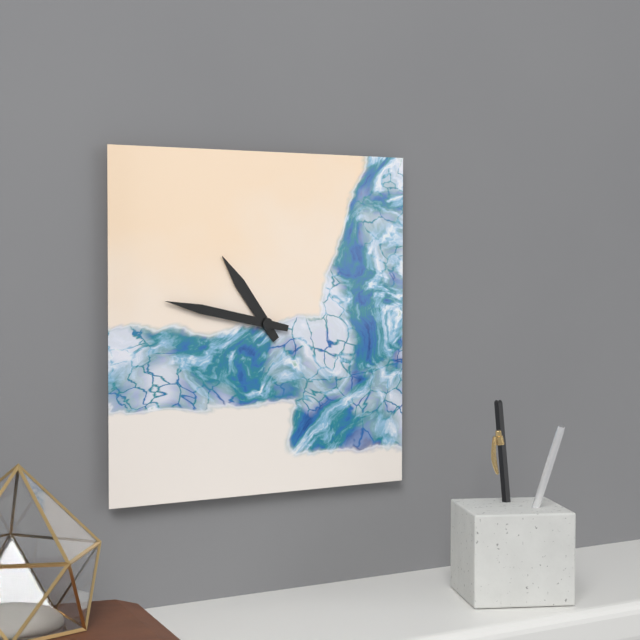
10:47
